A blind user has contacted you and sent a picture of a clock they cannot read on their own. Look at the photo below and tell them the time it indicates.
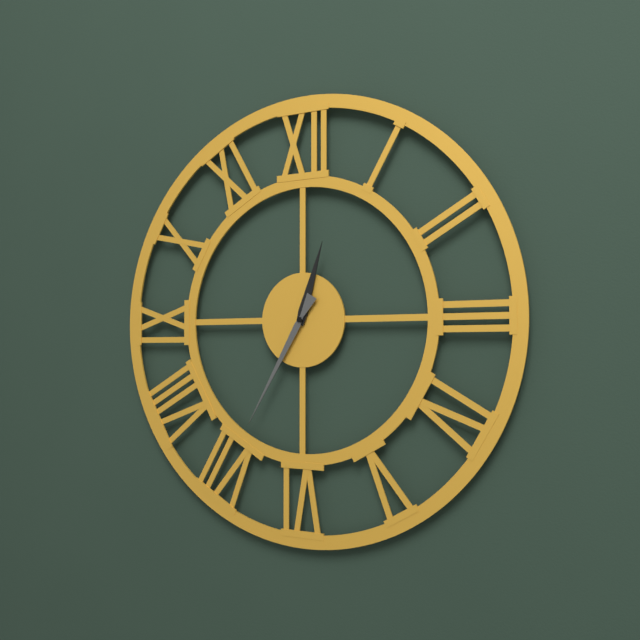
12:35
